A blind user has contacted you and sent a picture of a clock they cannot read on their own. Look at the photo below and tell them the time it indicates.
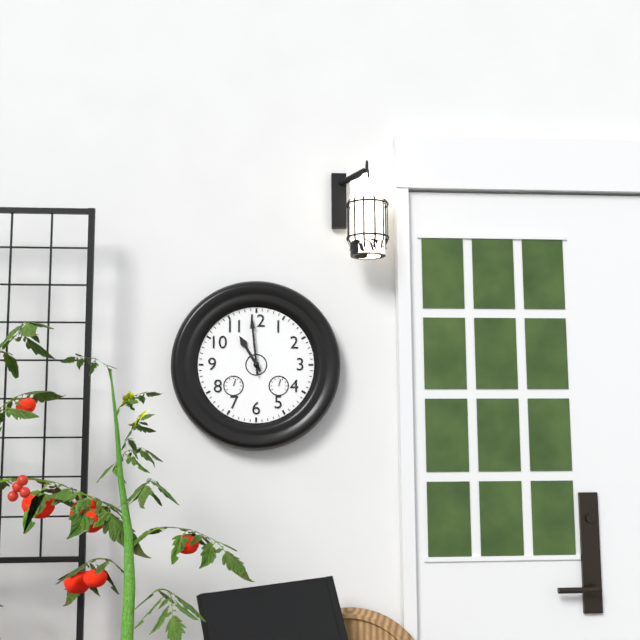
10:59
